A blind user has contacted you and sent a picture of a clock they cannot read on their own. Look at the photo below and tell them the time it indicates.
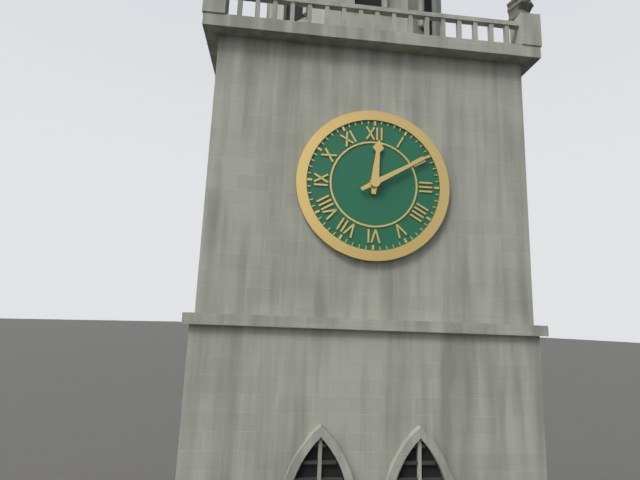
12:10
